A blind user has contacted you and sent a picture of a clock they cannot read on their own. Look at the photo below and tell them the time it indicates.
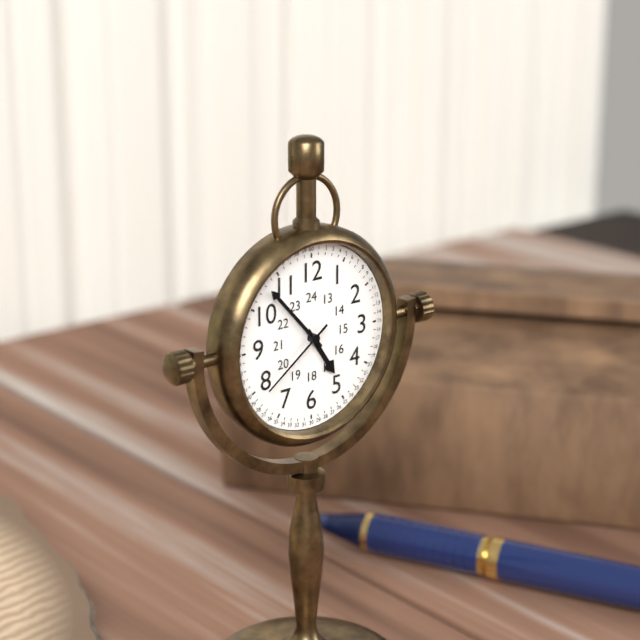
4:53:39
